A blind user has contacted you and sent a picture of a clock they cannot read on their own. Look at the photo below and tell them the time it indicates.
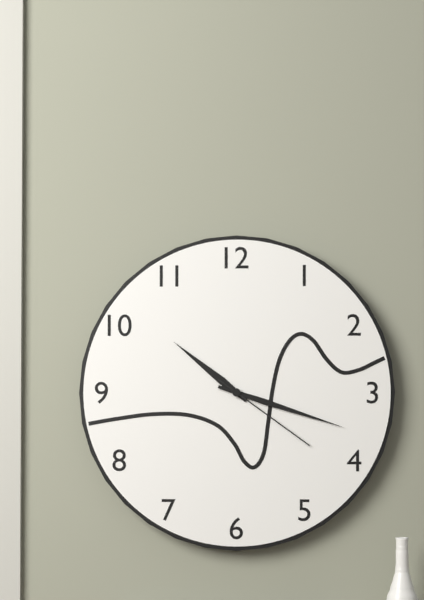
10:18:21
